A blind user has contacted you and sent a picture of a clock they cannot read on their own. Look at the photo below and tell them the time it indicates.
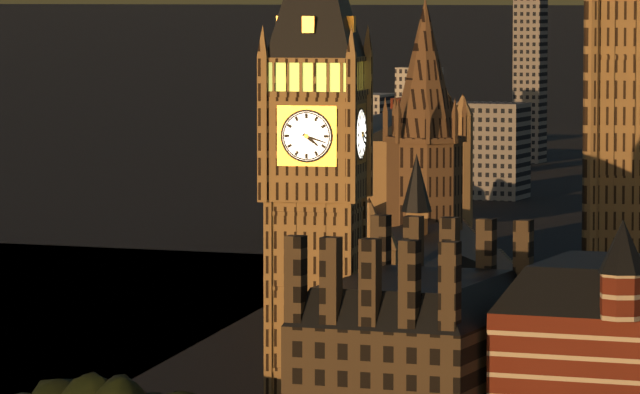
4:18
